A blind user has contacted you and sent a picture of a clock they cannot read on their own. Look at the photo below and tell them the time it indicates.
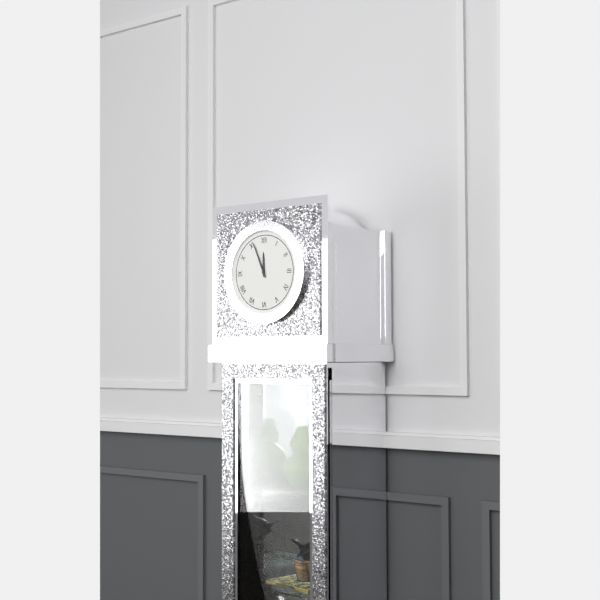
11:56
